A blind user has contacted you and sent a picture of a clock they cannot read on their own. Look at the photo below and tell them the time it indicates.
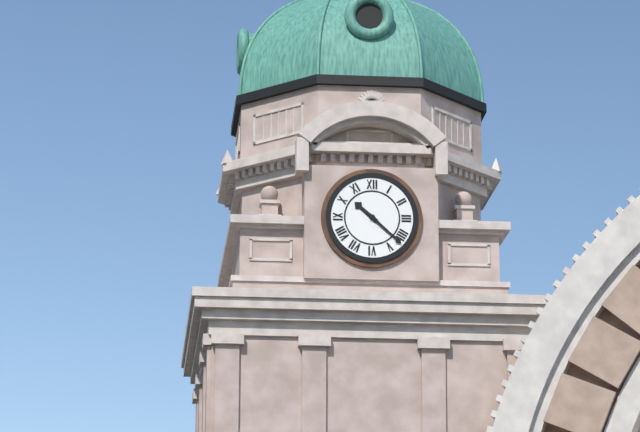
10:22
